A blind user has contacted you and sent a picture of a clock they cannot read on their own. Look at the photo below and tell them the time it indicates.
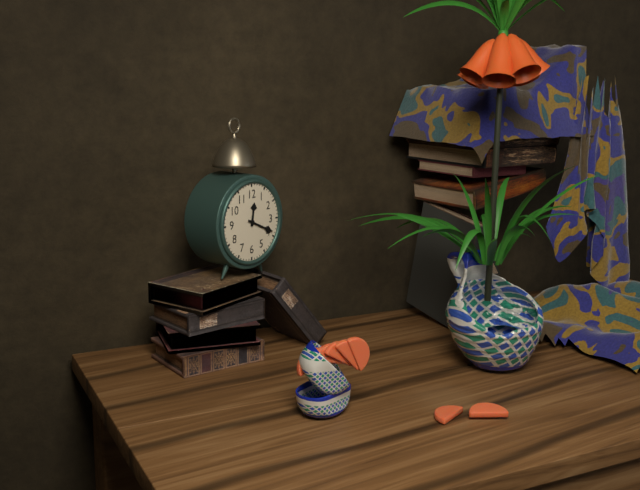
12:19
